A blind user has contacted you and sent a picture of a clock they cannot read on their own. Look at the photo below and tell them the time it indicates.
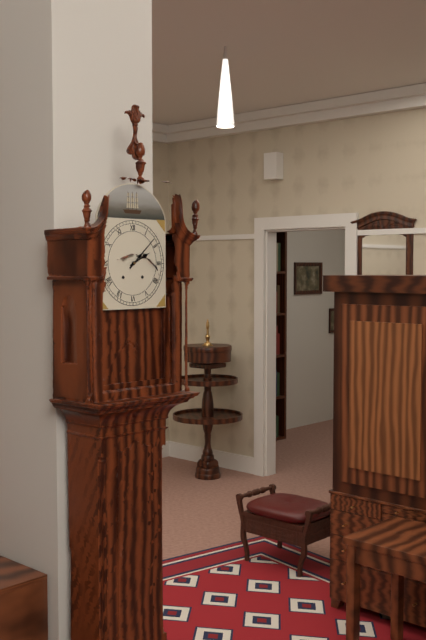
2:08
